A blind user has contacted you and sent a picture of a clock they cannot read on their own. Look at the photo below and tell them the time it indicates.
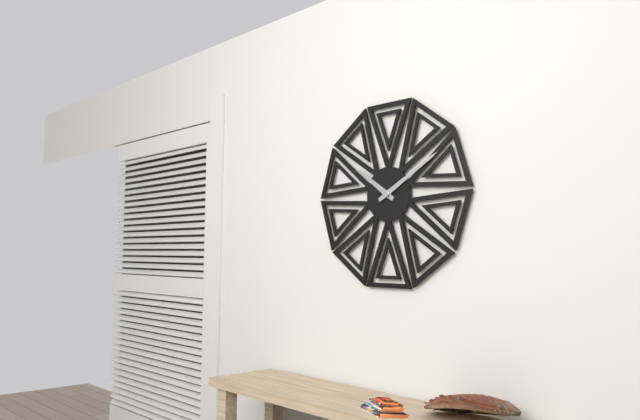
10:10
